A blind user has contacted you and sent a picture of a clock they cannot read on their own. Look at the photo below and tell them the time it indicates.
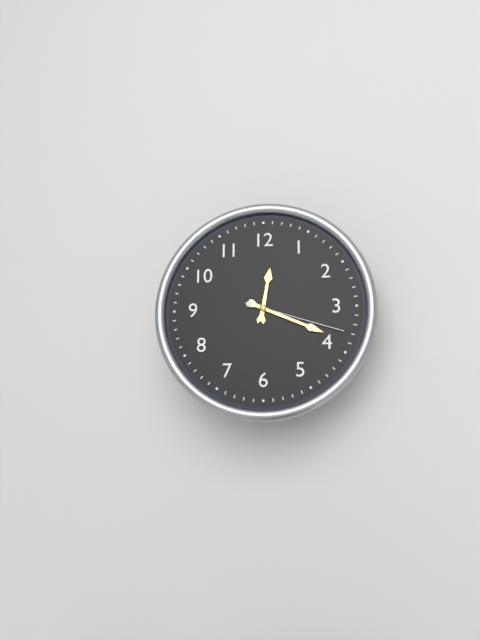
12:19:18
